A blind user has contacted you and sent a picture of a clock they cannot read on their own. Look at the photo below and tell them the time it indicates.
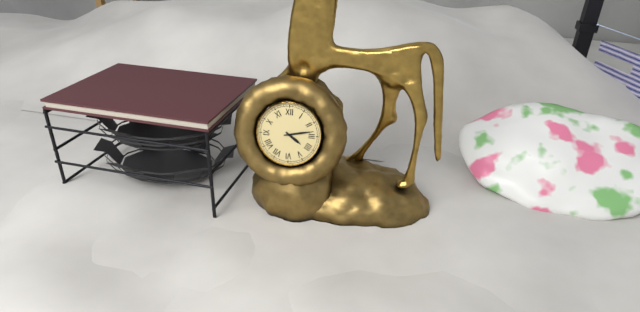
4:13
